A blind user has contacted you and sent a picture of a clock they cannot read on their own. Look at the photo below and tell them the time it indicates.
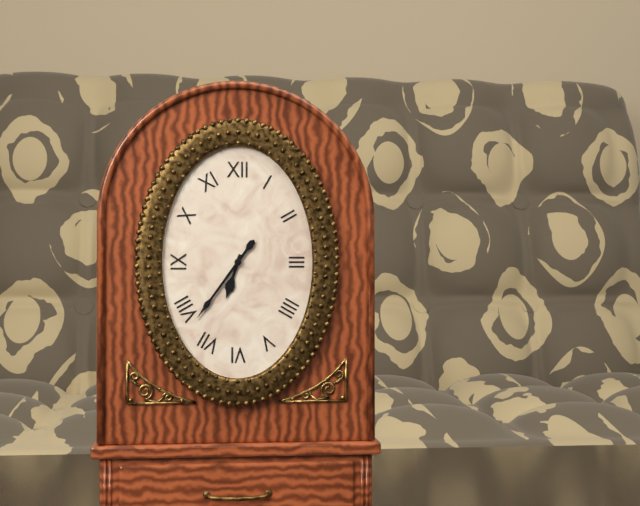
6:36
